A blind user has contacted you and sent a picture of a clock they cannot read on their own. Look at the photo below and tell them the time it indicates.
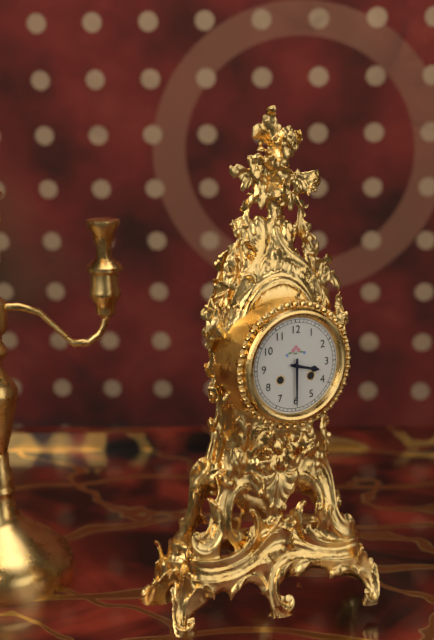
3:30
